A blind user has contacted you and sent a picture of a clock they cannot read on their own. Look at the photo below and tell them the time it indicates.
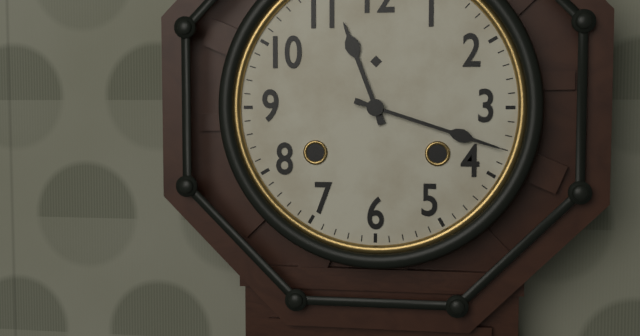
11:18
